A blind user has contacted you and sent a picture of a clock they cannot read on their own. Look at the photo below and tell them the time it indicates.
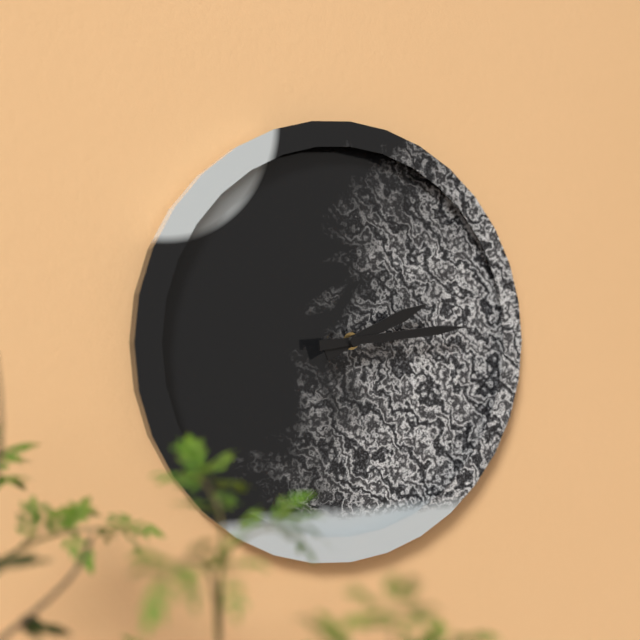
2:14
